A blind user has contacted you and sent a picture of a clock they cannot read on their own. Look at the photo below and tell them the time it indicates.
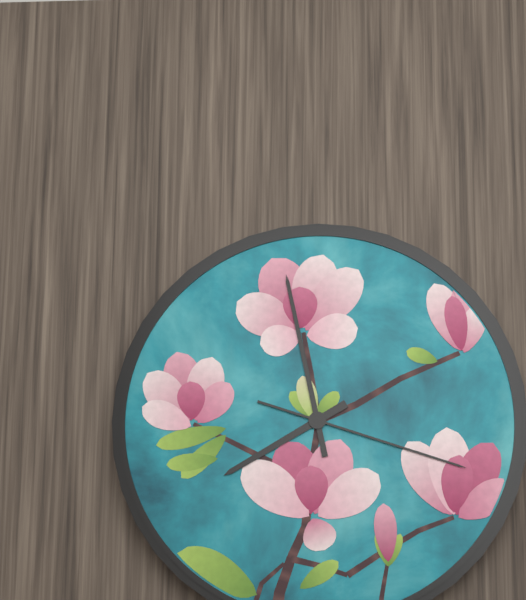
7:58:18
